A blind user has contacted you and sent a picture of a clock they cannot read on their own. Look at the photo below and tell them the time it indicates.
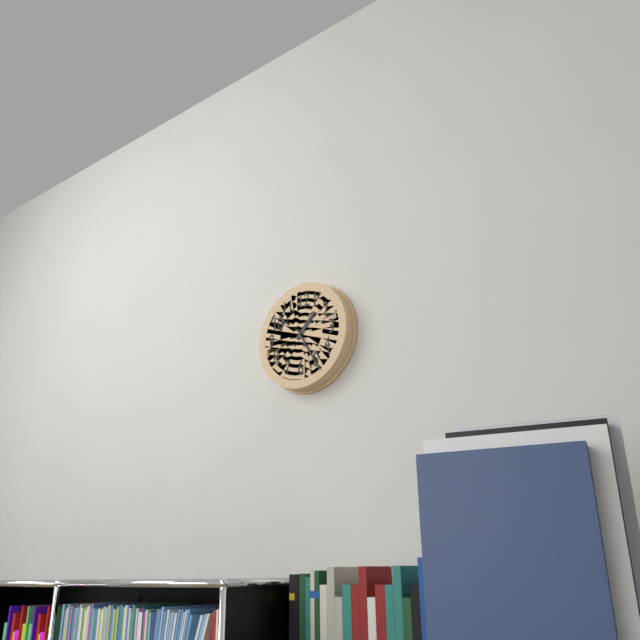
1:25
